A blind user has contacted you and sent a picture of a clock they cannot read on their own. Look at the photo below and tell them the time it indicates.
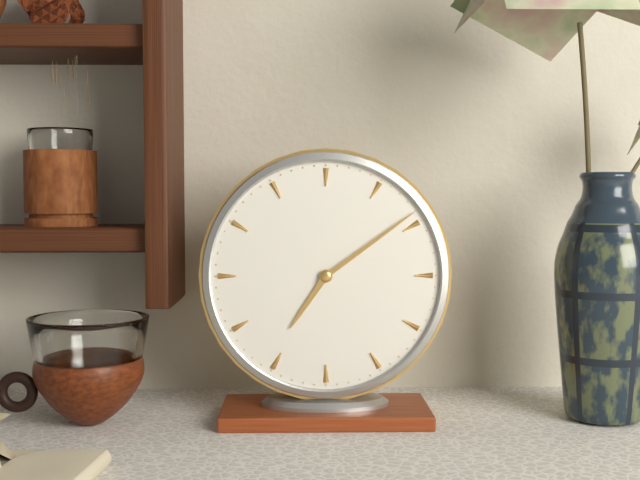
7:09
